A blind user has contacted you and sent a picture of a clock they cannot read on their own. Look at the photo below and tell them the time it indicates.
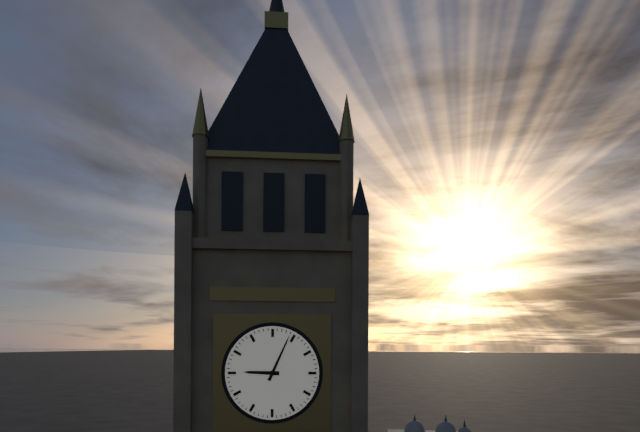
9:04
